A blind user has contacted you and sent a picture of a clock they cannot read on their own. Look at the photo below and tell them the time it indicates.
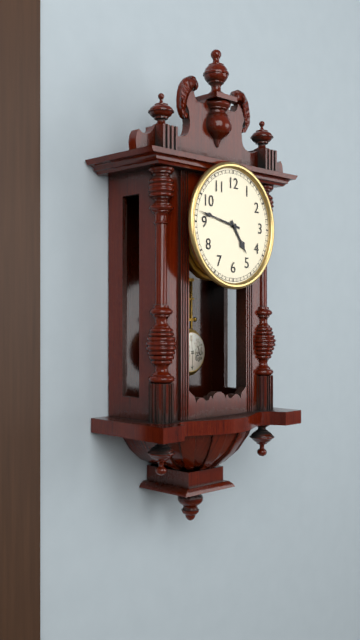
4:47
